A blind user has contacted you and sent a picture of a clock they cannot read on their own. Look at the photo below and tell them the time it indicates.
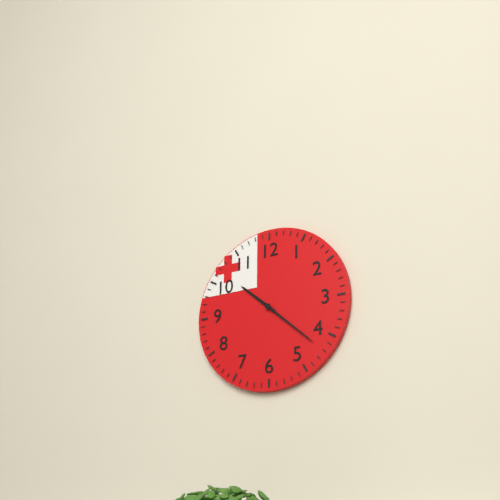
10:22
